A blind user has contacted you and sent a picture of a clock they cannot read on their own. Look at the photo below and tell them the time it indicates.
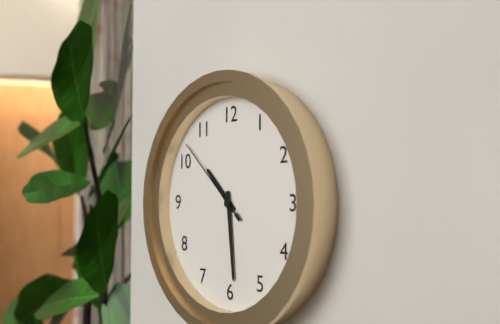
10:29:52
